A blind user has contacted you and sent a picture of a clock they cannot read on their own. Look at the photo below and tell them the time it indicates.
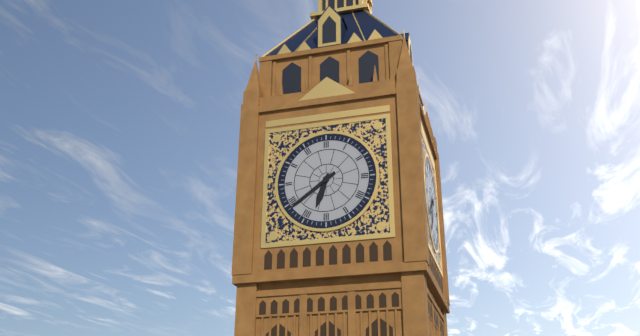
6:39
